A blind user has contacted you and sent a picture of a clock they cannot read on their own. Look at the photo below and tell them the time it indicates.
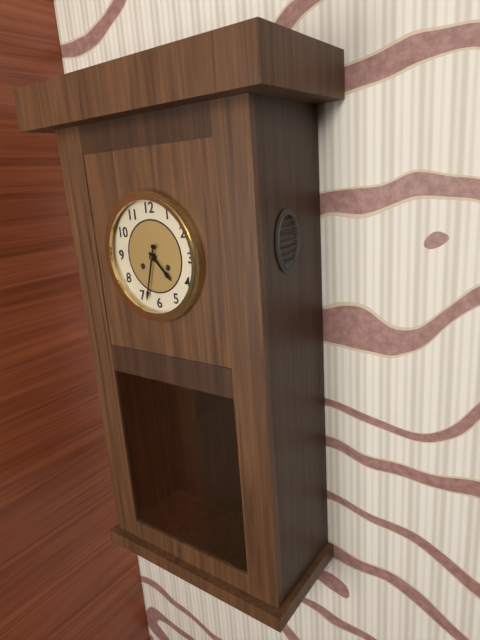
4:33
